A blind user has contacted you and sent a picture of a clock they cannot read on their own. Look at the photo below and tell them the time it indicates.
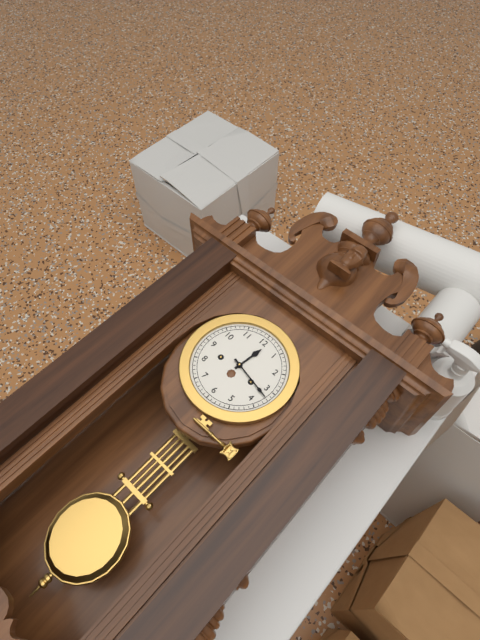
12:17
